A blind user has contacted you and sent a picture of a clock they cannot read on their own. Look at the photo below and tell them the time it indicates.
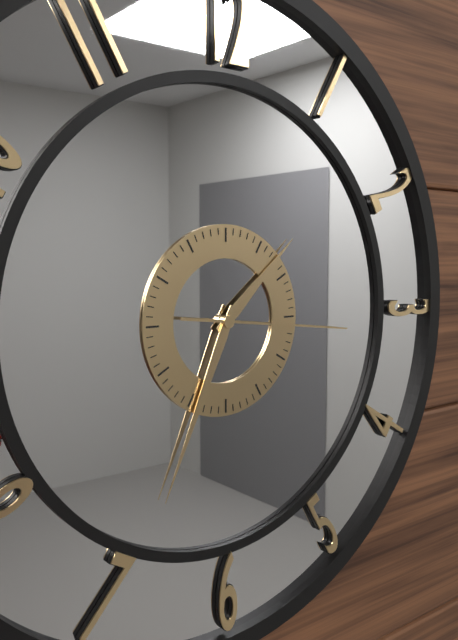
1:34:16
